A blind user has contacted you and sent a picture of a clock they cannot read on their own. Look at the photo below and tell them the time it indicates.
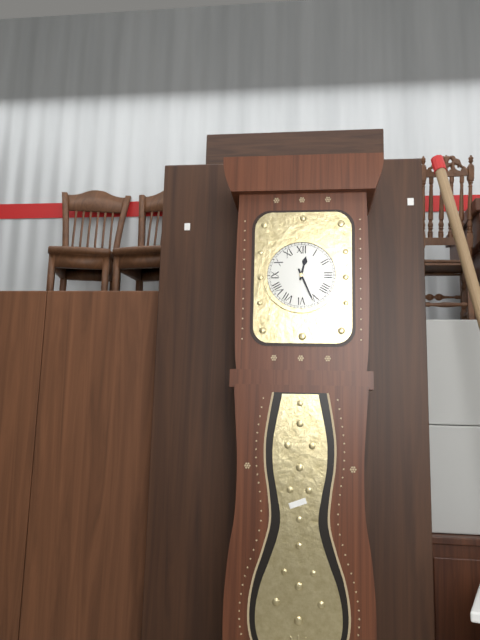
12:26
